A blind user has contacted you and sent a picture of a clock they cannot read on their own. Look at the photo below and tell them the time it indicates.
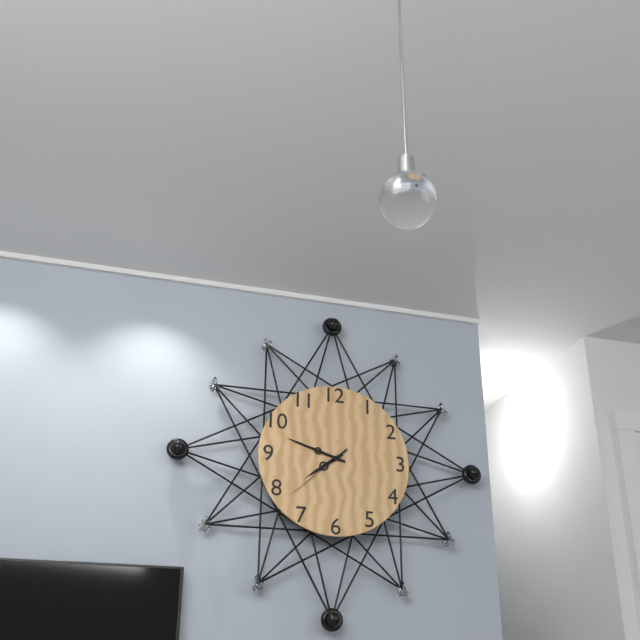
7:48:38
